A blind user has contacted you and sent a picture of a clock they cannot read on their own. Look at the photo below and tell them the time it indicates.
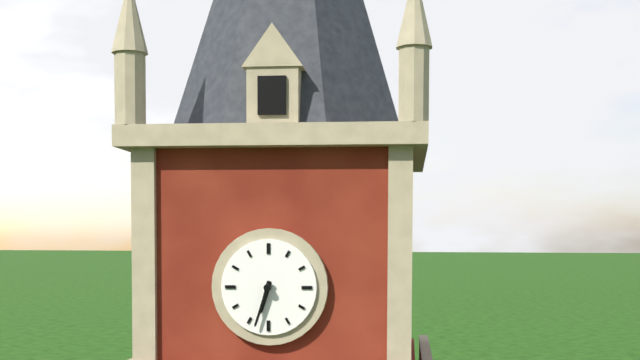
6:33
